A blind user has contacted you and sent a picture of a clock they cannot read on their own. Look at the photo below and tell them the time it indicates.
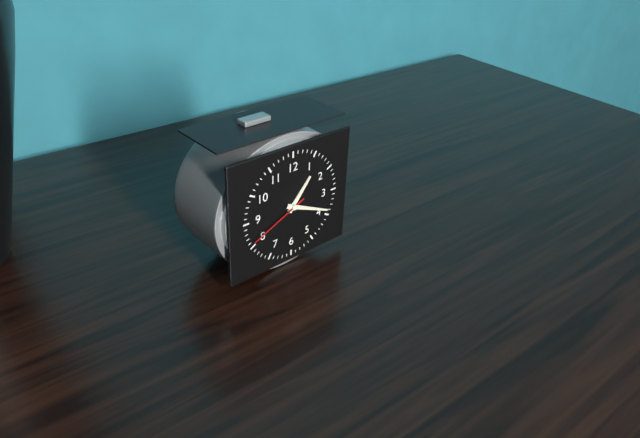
1:19:41
